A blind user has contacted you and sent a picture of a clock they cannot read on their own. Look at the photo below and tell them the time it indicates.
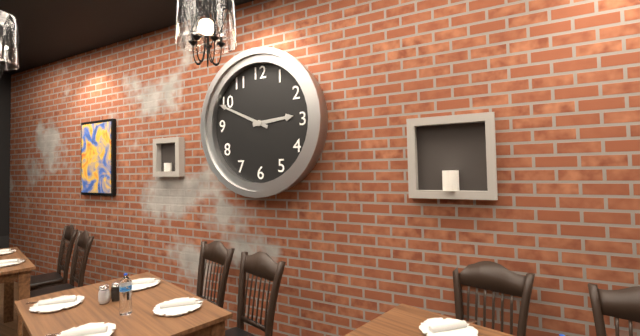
2:49
